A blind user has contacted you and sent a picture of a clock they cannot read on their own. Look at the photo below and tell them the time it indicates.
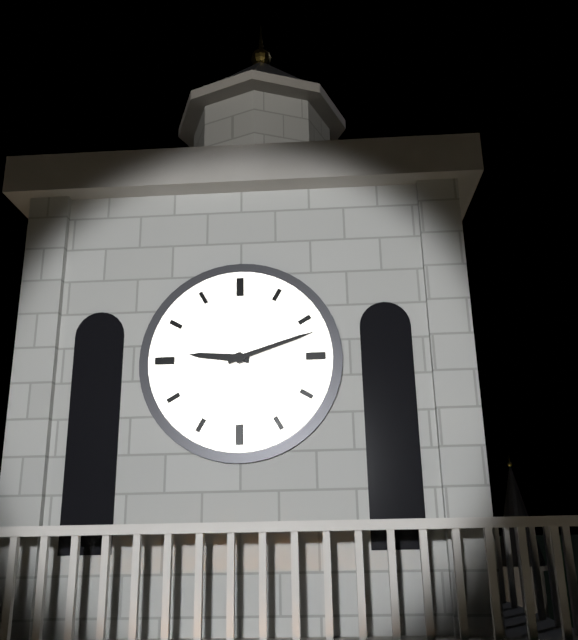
9:12
